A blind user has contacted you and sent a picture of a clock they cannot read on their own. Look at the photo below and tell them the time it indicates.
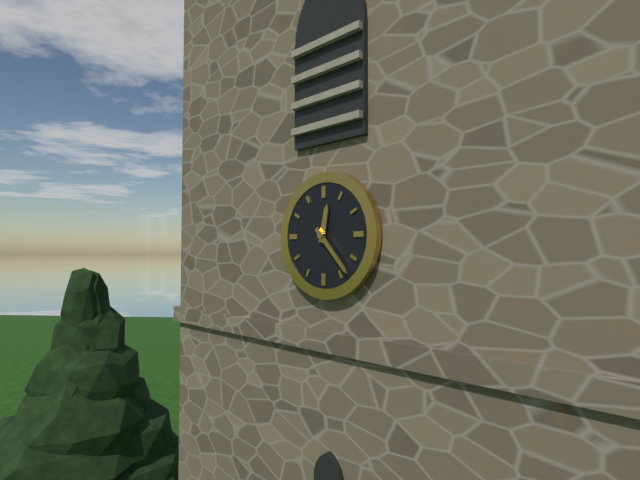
12:23
